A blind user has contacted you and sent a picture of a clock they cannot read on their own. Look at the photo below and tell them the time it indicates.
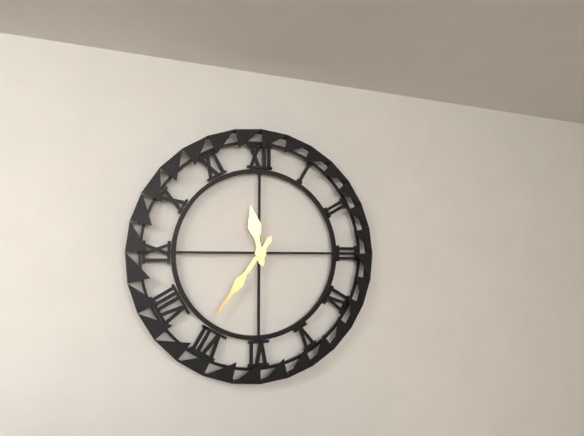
11:36
